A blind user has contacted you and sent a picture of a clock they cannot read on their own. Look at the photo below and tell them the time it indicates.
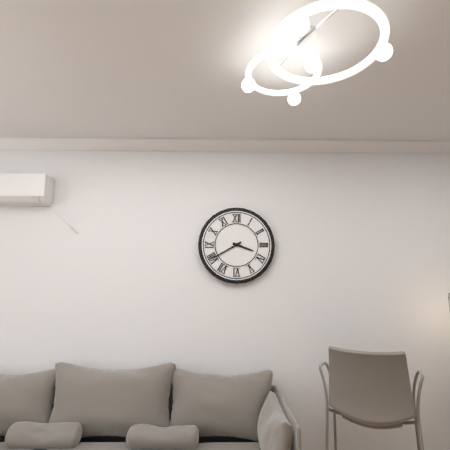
3:40
